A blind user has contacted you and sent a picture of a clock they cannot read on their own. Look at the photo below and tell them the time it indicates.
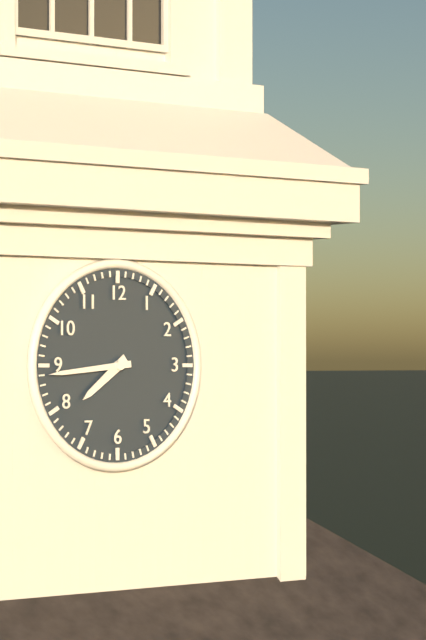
7:44
